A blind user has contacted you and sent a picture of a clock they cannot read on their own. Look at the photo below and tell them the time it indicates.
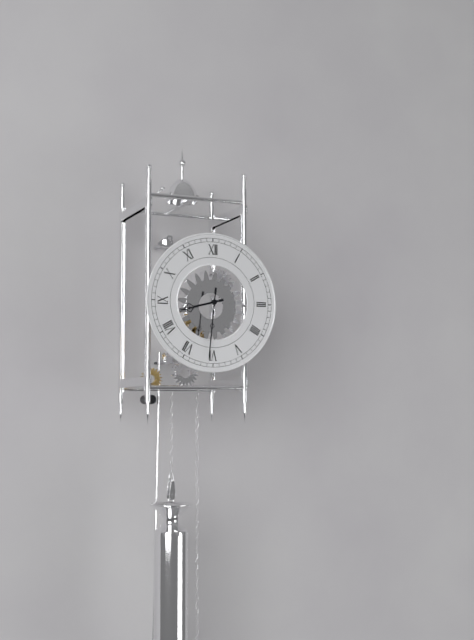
8:31
